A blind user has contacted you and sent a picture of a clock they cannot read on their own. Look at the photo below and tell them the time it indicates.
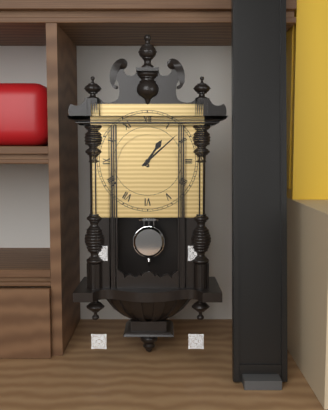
1:08
